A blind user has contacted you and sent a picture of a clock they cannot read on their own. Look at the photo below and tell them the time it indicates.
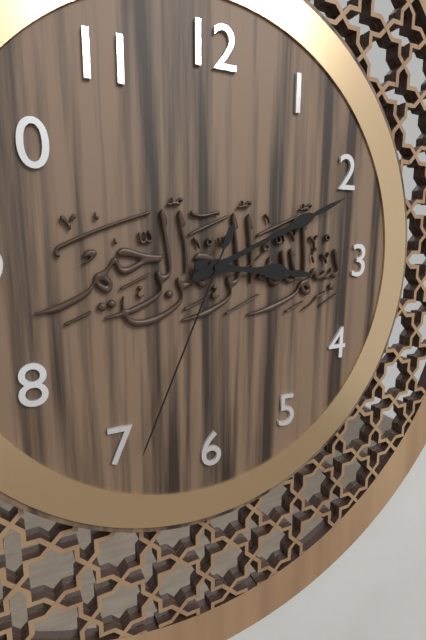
3:11:34
